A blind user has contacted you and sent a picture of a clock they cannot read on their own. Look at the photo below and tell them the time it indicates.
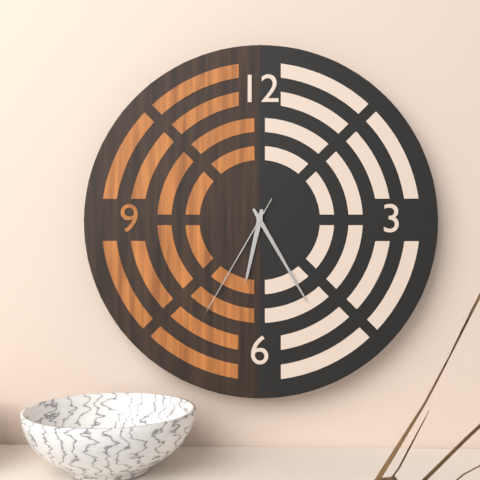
6:25:35
